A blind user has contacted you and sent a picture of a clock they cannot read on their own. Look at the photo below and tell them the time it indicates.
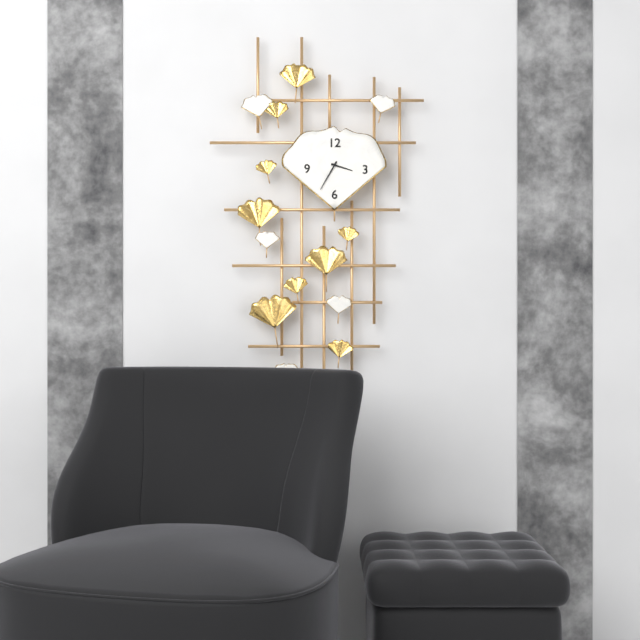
3:35
